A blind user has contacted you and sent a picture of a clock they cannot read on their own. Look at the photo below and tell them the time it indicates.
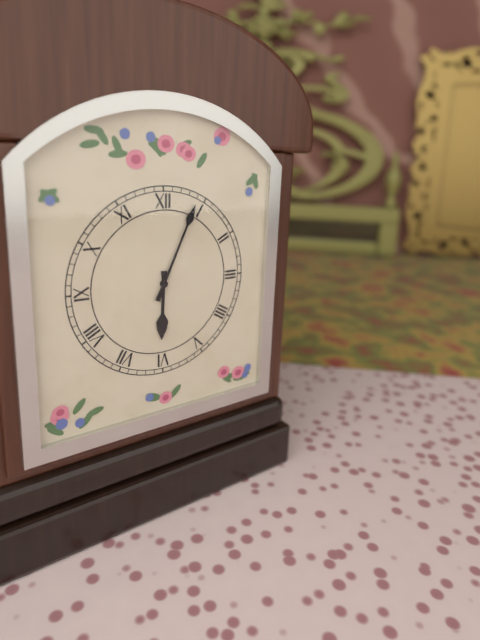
6:04
